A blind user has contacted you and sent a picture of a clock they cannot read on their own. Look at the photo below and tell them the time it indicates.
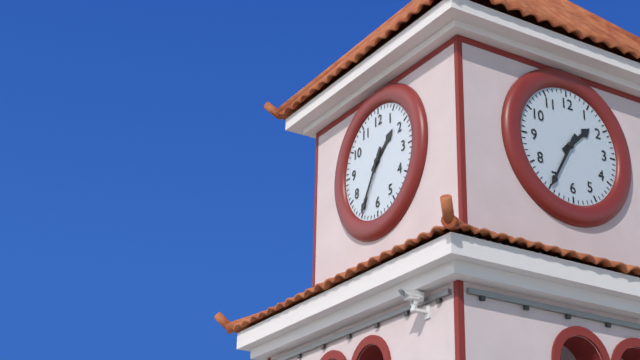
1:35
